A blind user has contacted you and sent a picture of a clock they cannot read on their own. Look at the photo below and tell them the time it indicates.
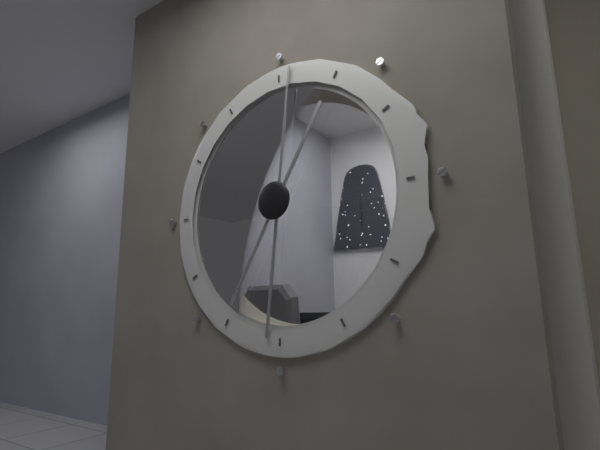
7:01
